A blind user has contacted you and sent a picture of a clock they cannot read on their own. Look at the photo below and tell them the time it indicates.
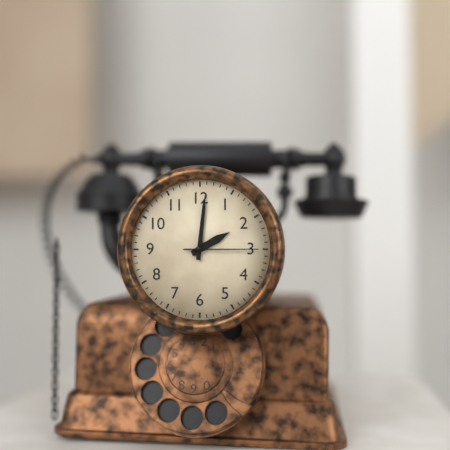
2:01:15
